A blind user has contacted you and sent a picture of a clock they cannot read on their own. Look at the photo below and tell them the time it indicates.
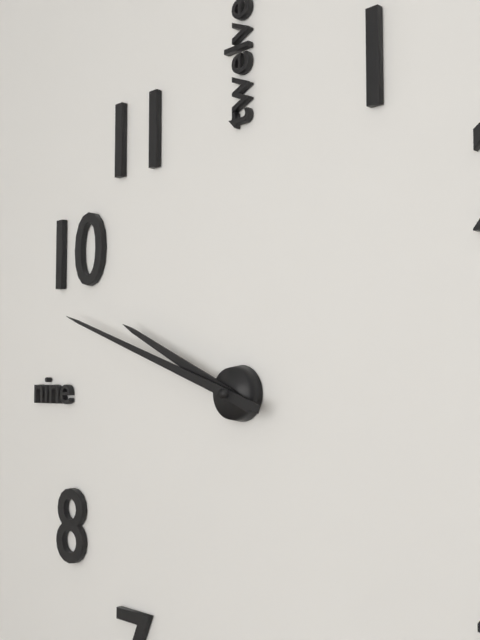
9:48
